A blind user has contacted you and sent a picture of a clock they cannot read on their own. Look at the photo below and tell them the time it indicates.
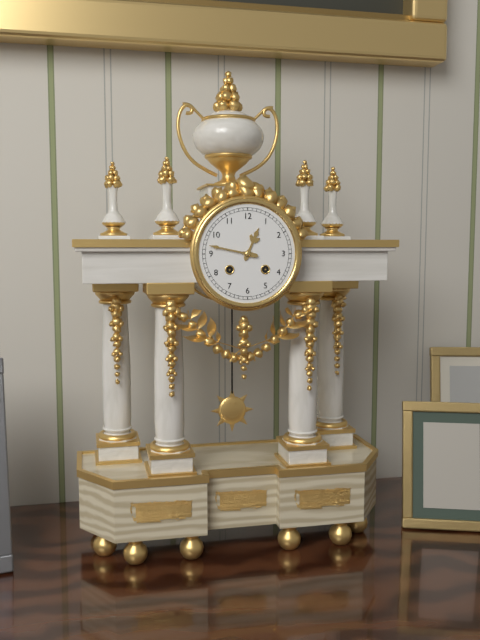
12:47
